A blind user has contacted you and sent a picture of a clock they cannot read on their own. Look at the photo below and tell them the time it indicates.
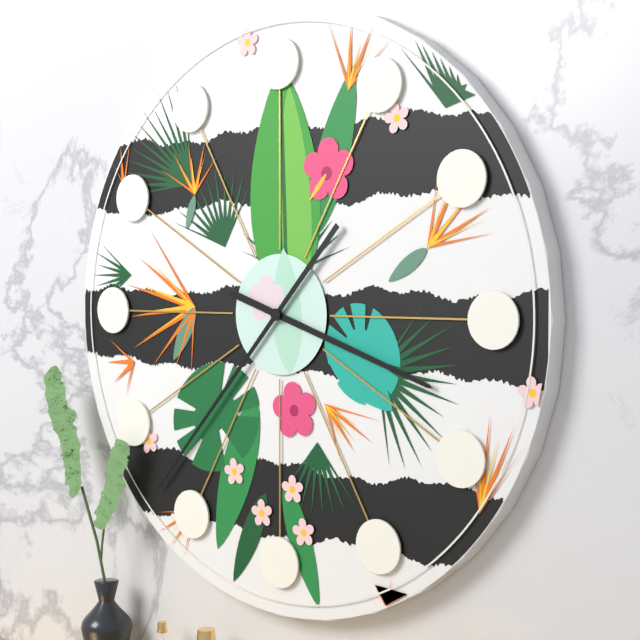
3:37
